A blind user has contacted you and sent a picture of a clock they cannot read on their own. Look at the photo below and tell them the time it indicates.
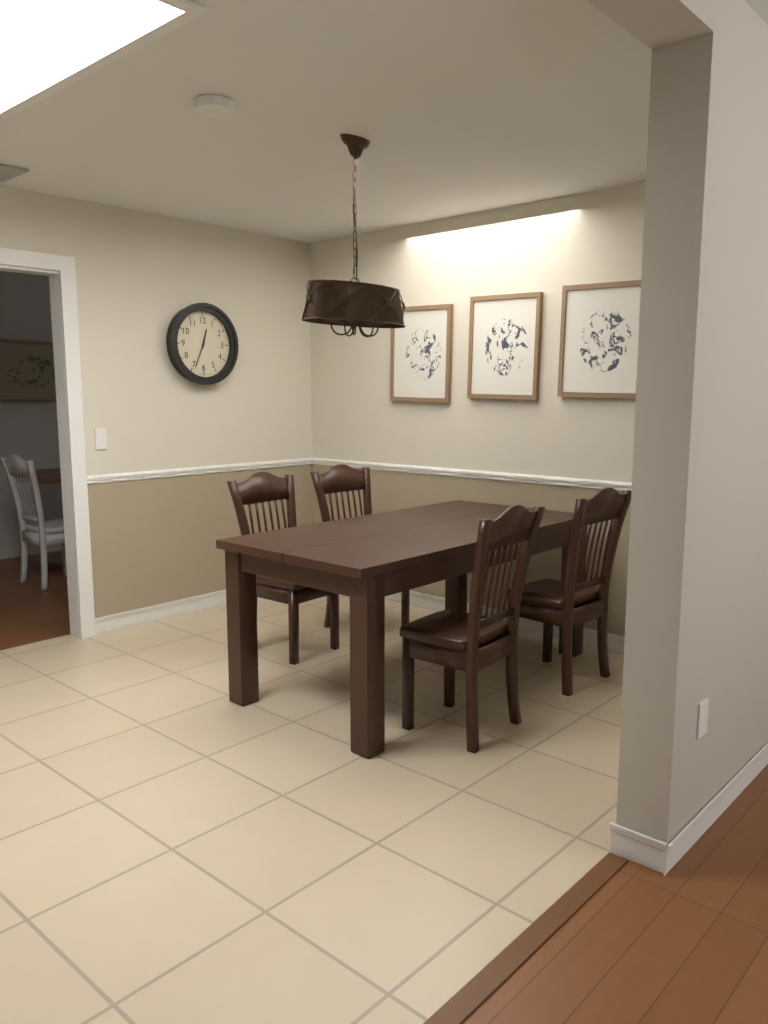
12:34
